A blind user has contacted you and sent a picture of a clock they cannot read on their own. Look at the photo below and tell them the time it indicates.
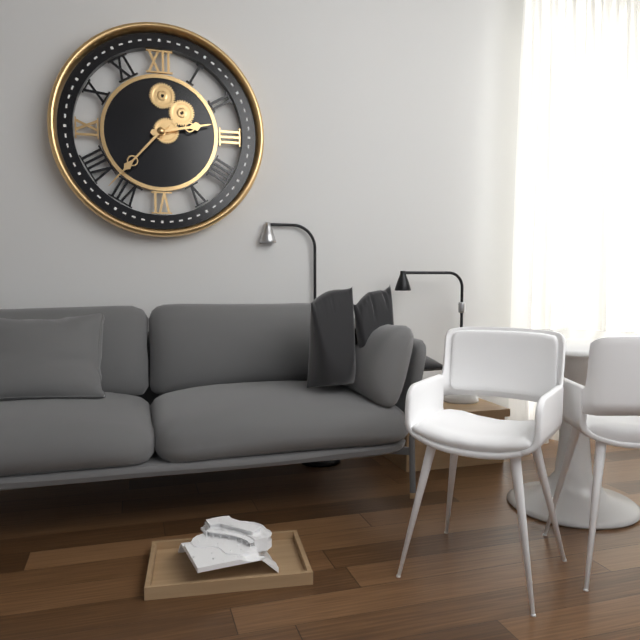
2:37
